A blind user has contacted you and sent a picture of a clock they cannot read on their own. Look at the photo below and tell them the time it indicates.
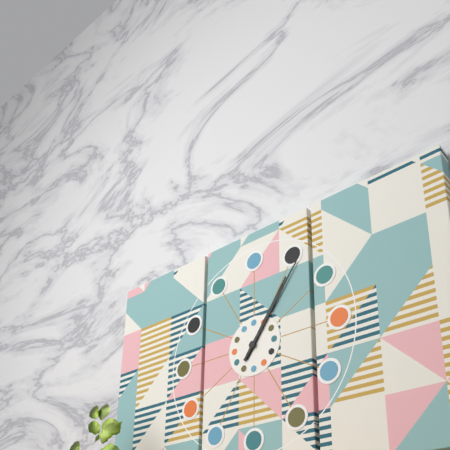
1:06
